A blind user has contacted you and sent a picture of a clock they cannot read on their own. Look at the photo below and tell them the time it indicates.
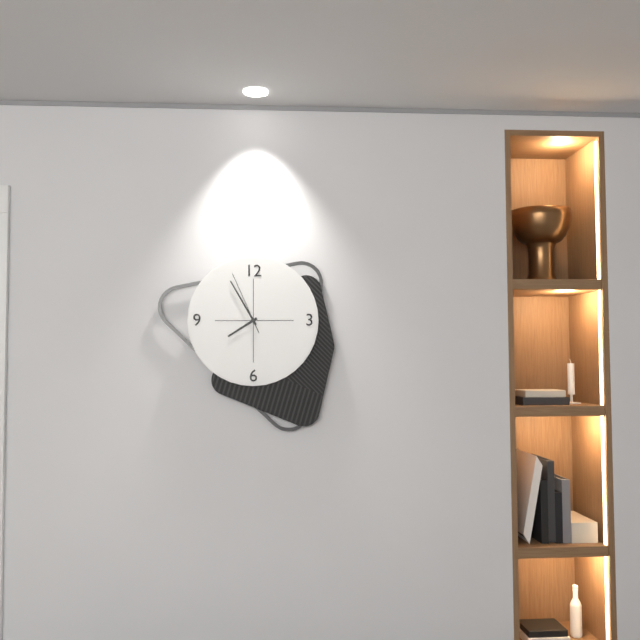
7:55:56
